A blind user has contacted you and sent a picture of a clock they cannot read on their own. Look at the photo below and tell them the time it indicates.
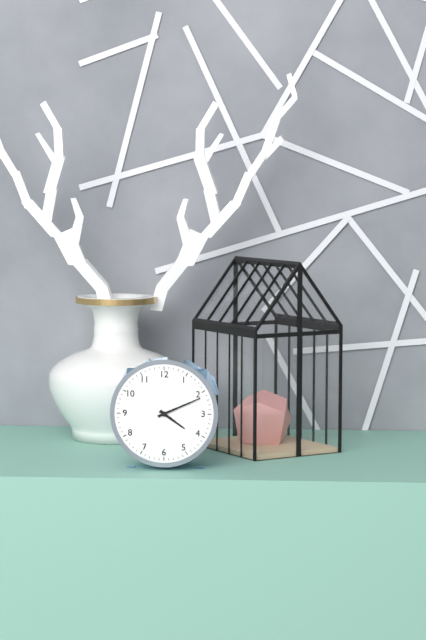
4:11
